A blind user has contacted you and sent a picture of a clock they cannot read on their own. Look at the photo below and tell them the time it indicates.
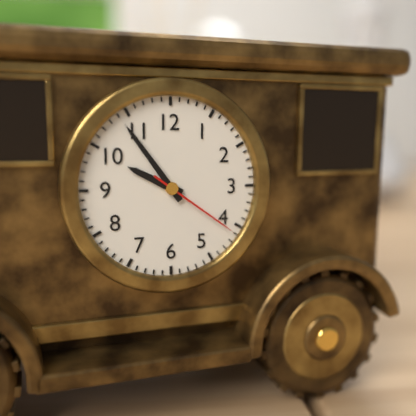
9:54:21
